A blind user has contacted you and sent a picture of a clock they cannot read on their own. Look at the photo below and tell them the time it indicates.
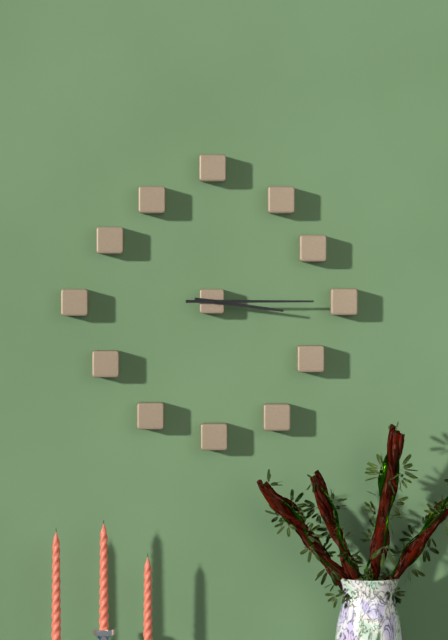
3:15
